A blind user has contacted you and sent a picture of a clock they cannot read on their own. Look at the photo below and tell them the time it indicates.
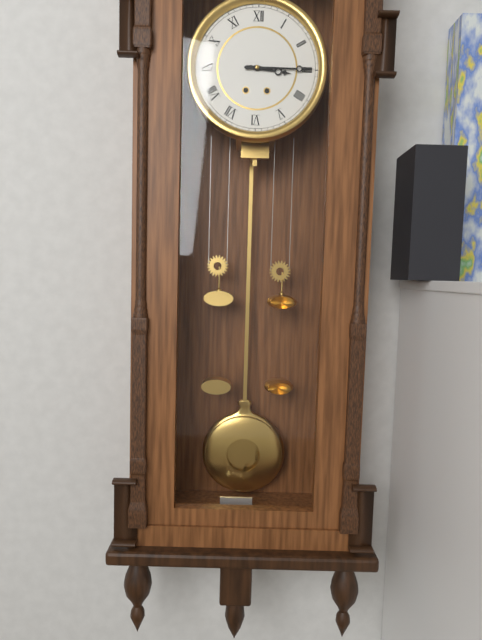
3:15
